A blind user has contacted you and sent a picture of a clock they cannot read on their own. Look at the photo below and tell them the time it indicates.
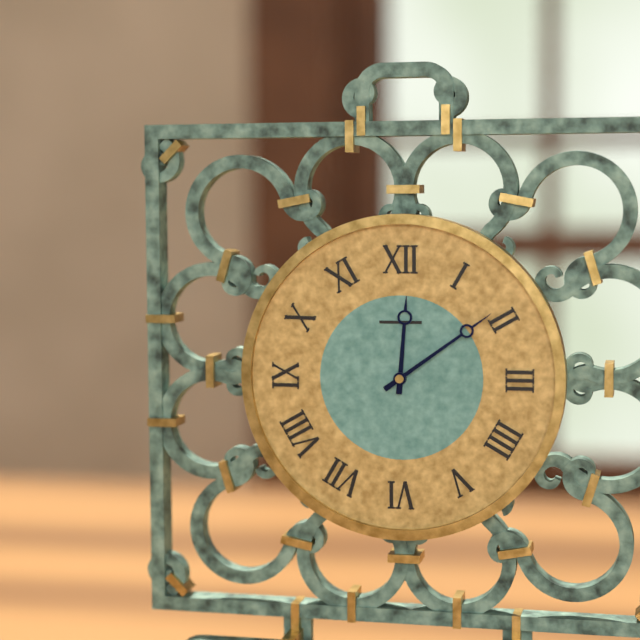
12:09
